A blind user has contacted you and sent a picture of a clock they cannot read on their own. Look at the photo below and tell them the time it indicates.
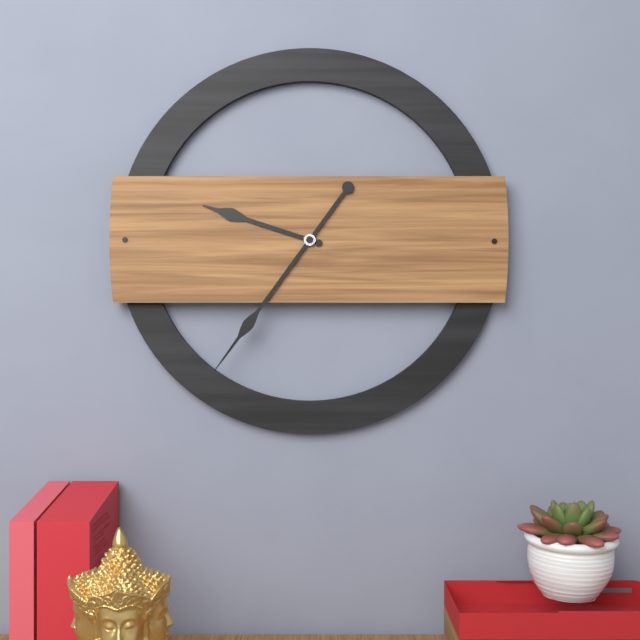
9:36
